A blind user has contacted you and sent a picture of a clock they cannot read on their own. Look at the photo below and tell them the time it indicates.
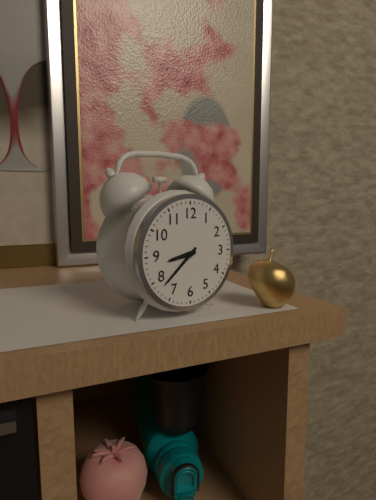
8:38
